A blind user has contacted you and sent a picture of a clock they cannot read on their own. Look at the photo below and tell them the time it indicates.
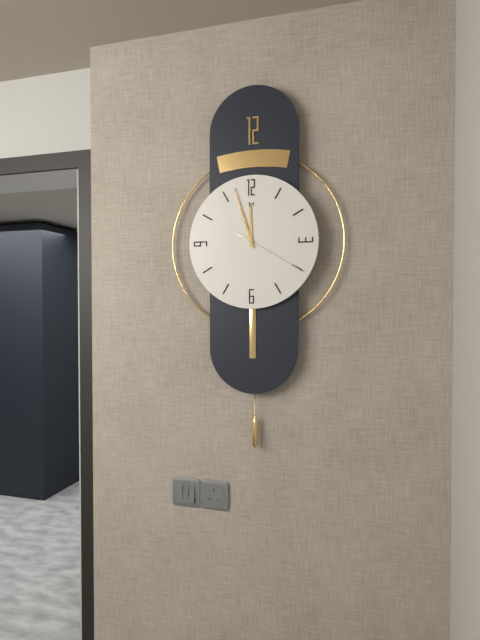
11:57:20
